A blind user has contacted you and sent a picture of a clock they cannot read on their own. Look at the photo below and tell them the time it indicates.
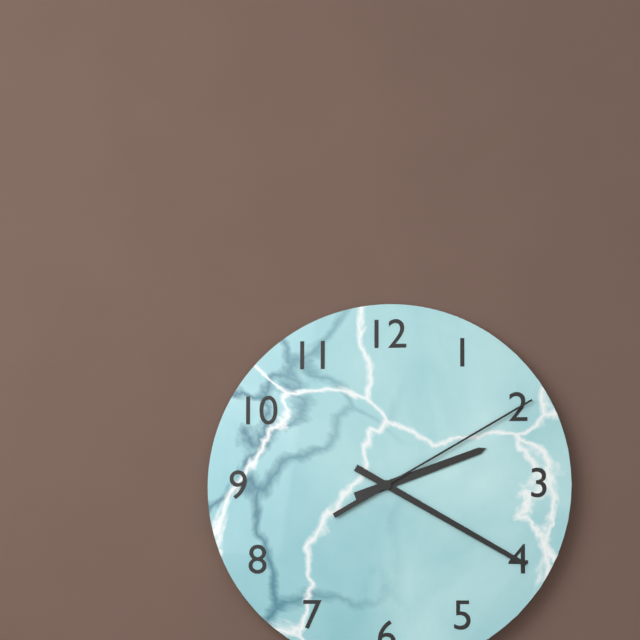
2:20:10
